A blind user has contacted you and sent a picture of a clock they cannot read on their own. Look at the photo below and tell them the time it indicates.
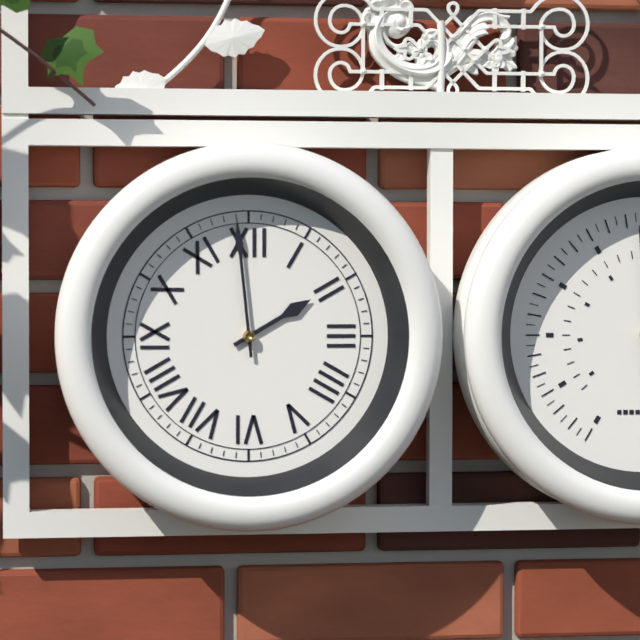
1:59
